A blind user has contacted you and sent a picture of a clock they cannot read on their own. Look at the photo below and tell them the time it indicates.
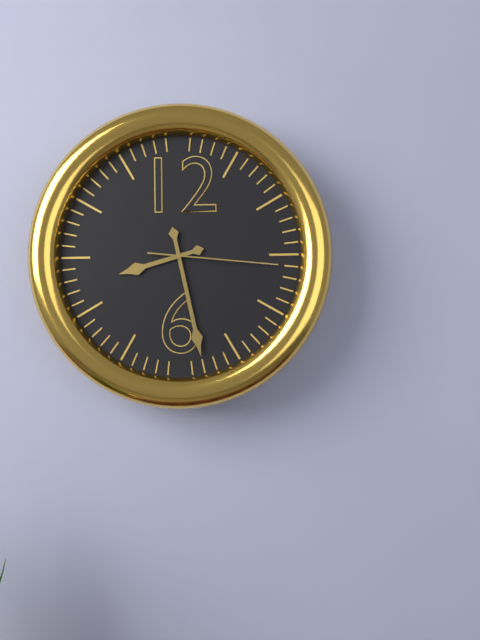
8:28:16
